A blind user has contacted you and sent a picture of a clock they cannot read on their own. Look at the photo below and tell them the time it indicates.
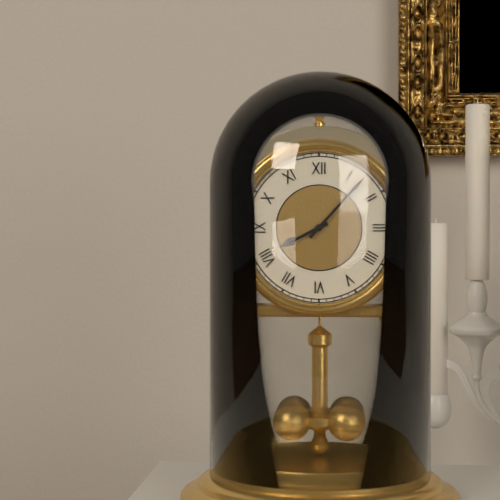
8:07
